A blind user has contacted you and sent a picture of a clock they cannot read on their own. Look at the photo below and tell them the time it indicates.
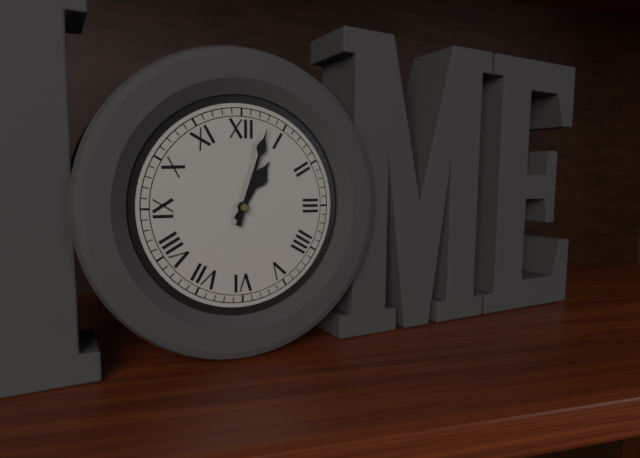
1:03
